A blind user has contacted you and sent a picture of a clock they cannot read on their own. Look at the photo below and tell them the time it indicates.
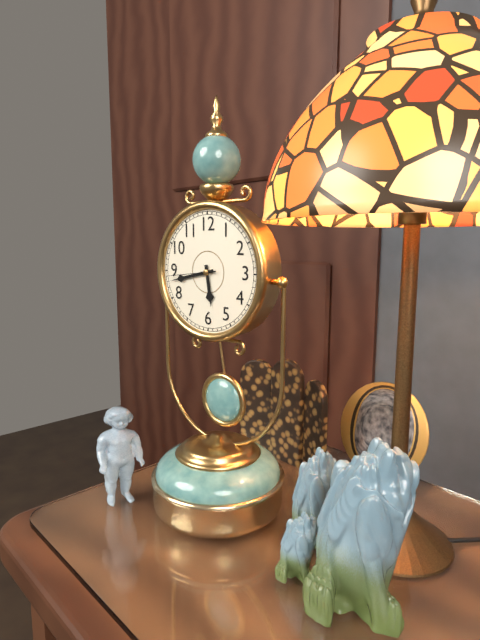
5:43:44
